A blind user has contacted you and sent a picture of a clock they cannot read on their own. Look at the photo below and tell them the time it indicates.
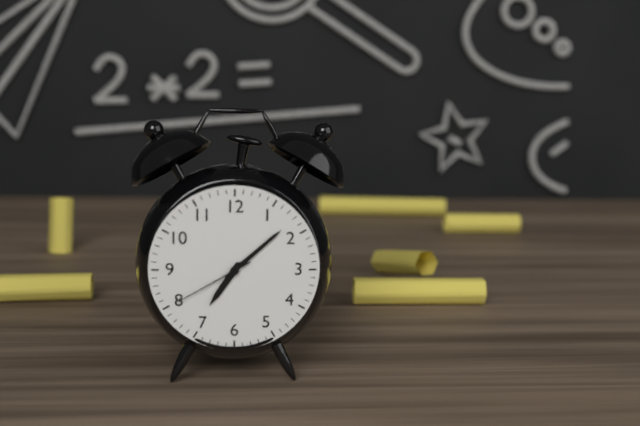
7:08:40
